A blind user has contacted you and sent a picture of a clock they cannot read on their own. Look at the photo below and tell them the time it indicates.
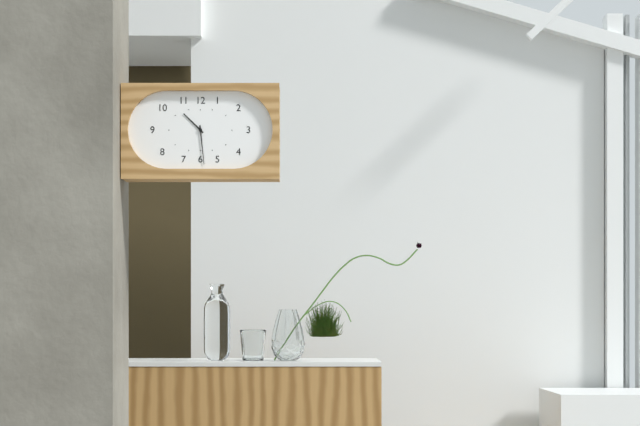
10:29
